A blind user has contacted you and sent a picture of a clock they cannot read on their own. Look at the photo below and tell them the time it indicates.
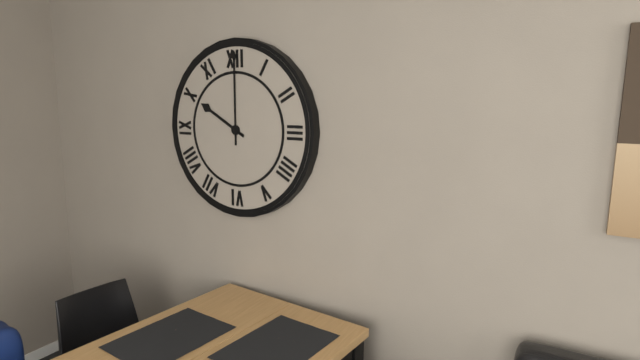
10:00
